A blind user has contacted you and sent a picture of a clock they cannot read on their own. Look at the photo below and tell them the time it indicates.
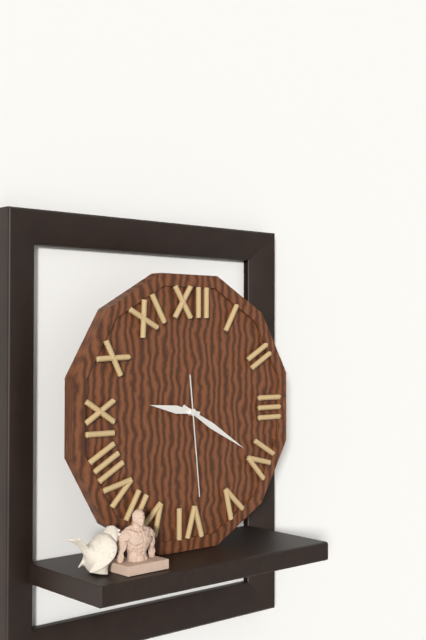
9:20:29
